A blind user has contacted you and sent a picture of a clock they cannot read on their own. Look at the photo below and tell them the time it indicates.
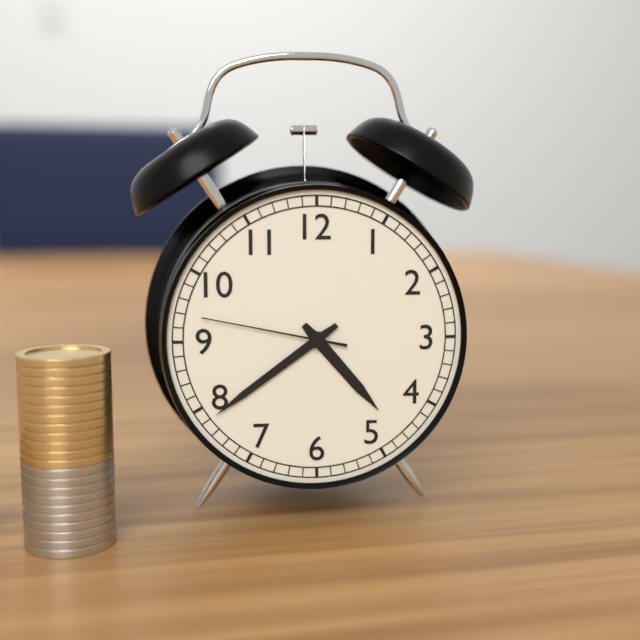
4:39:47
